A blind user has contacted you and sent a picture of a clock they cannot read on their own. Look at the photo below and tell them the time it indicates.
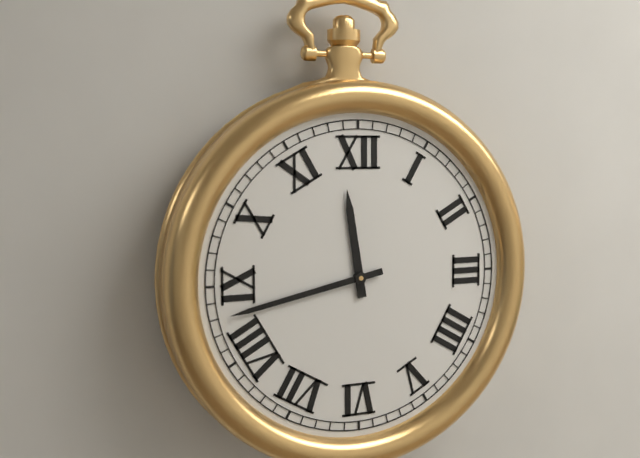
11:43
